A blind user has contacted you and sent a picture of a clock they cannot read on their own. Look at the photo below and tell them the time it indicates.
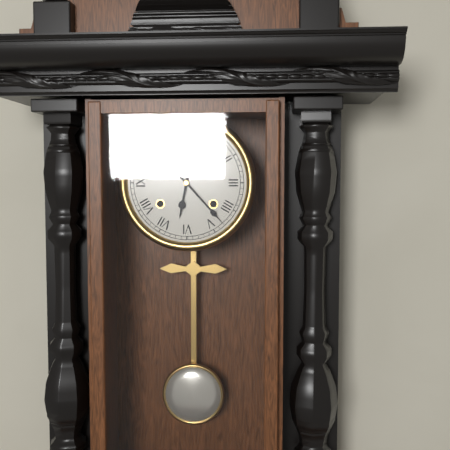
6:23
